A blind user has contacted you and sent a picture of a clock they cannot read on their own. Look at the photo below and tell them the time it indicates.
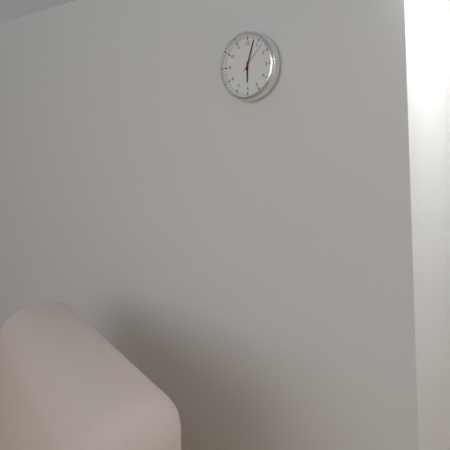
6:03
